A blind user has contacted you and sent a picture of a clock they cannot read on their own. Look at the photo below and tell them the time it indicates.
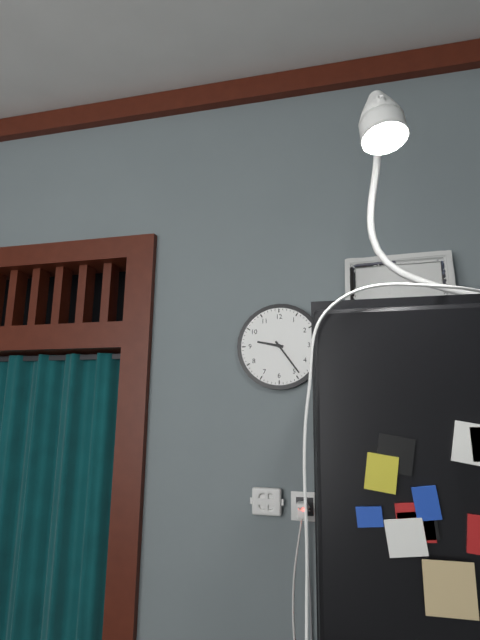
9:24
